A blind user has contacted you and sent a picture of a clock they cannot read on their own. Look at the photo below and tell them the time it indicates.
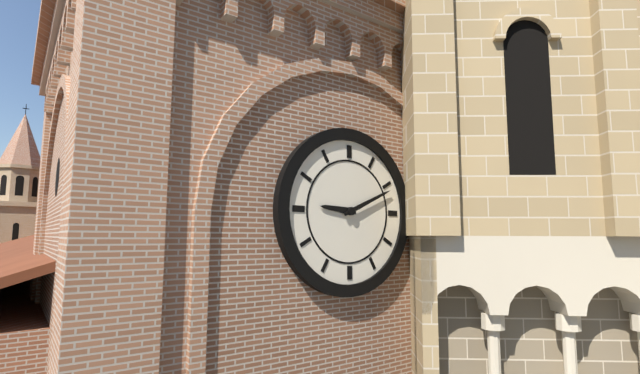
9:11
